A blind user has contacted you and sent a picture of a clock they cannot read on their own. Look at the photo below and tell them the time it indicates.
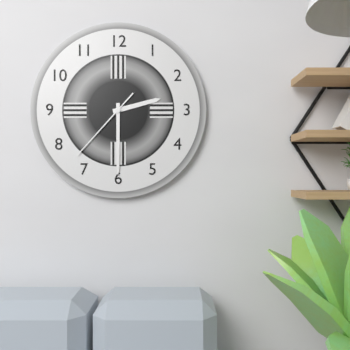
2:30:37
